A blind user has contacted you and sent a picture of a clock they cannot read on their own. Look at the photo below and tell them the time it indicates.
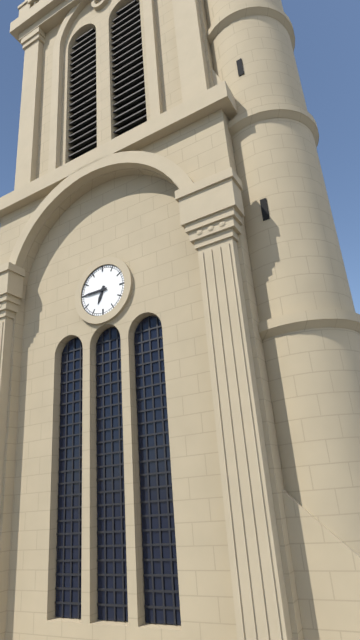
6:45
